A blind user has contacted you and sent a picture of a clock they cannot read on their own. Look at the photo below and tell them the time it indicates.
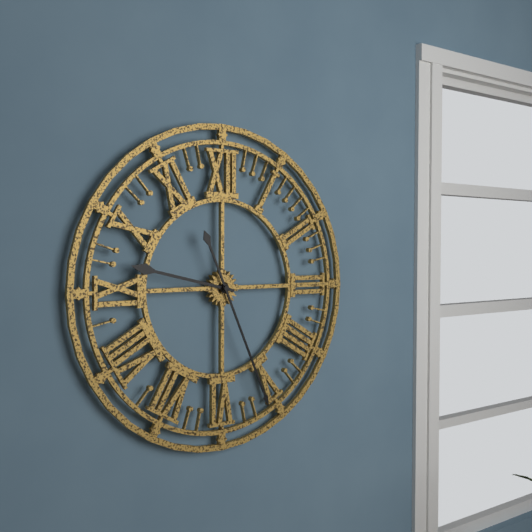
9:26
